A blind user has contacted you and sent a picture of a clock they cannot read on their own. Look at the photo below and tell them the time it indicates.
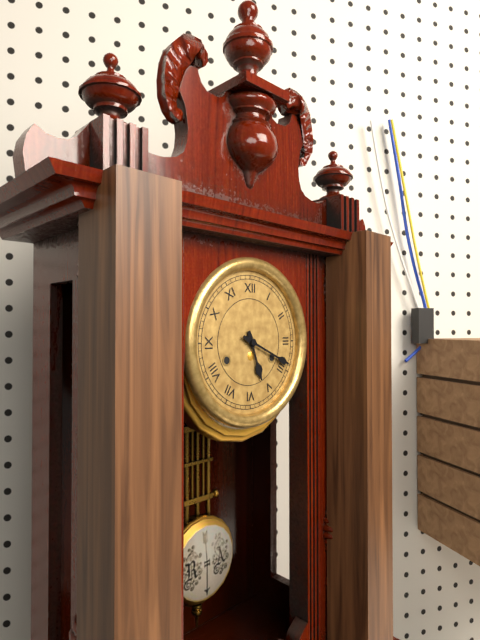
5:19
